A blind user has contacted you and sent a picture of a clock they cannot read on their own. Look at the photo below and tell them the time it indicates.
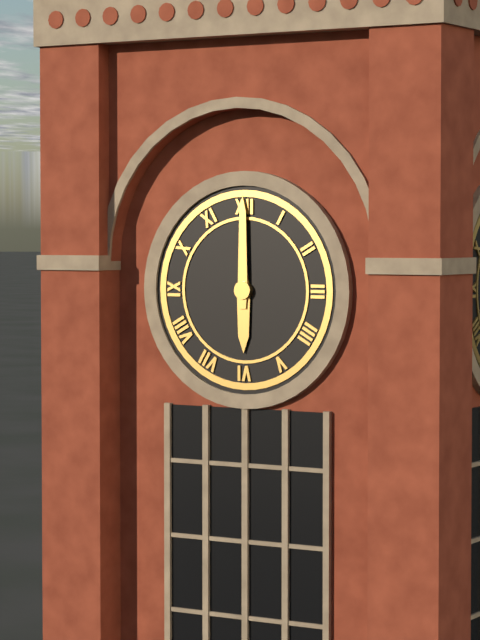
6:00
